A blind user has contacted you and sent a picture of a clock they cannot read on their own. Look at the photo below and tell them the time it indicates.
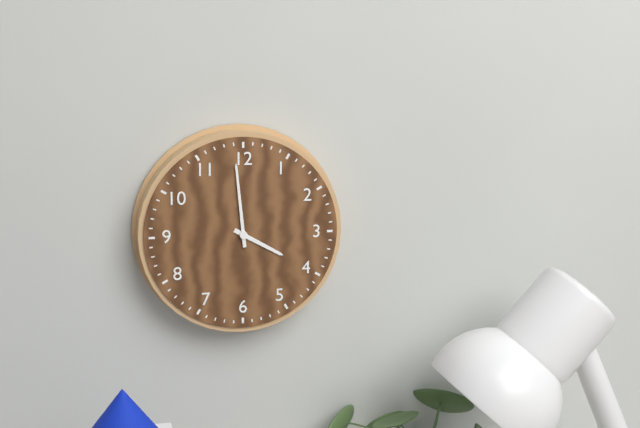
3:59
